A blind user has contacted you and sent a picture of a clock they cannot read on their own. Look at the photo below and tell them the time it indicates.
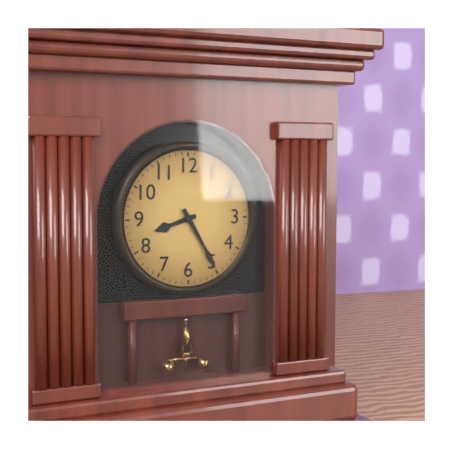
8:25
